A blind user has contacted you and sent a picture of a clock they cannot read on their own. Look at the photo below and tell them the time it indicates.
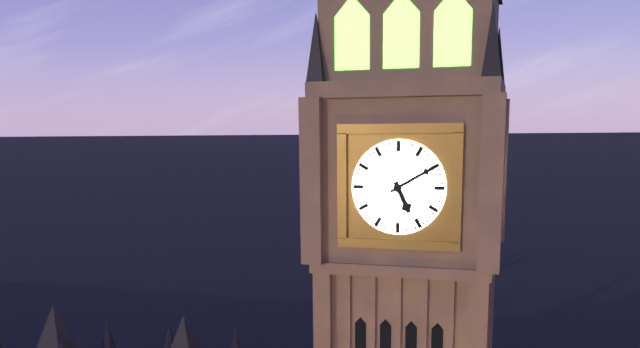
5:10
